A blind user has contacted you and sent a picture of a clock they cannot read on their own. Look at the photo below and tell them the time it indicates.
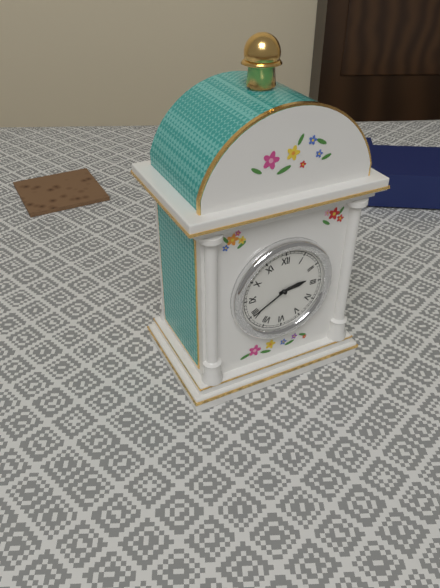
2:40
